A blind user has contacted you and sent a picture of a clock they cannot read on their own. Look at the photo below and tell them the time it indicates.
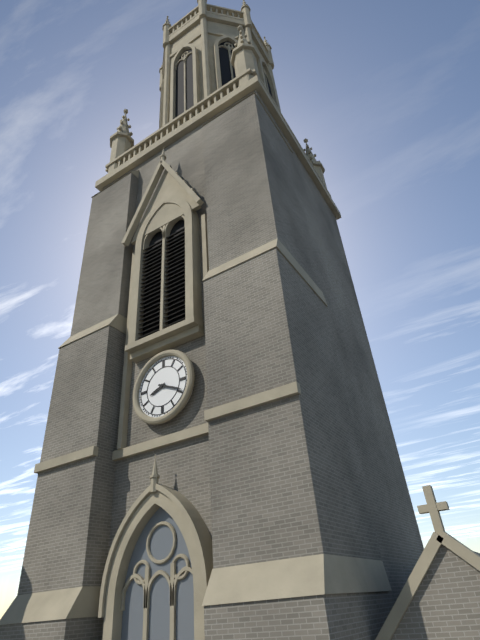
8:19
